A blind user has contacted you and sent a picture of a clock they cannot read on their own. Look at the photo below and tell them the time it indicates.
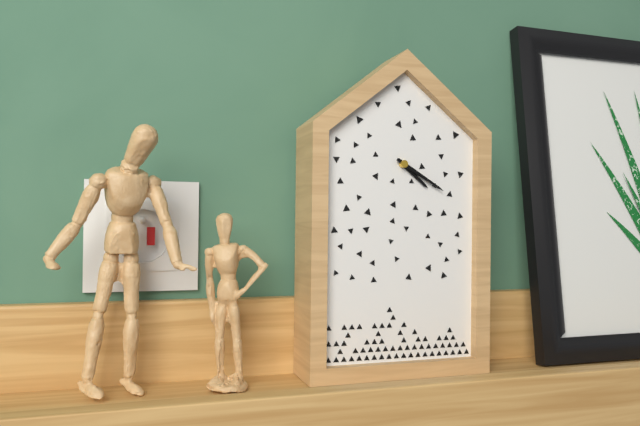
4:20
